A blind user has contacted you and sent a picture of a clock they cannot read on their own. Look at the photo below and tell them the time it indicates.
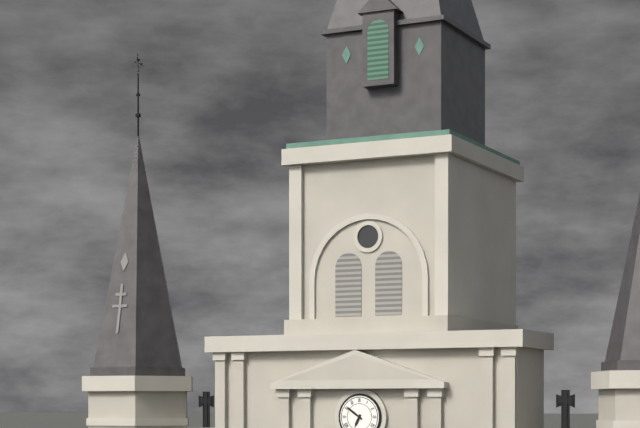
6:51
